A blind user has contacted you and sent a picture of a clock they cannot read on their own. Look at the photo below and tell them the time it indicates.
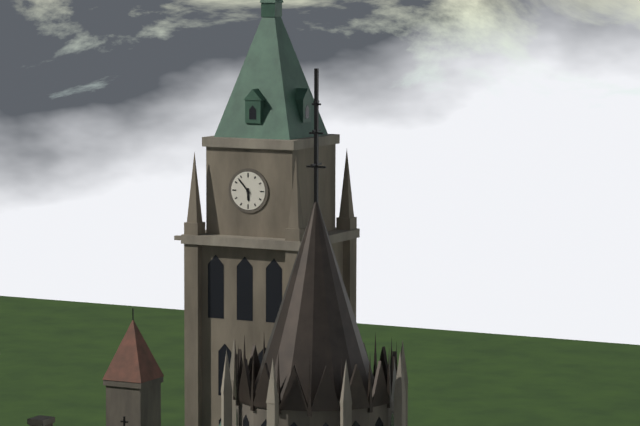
5:53
